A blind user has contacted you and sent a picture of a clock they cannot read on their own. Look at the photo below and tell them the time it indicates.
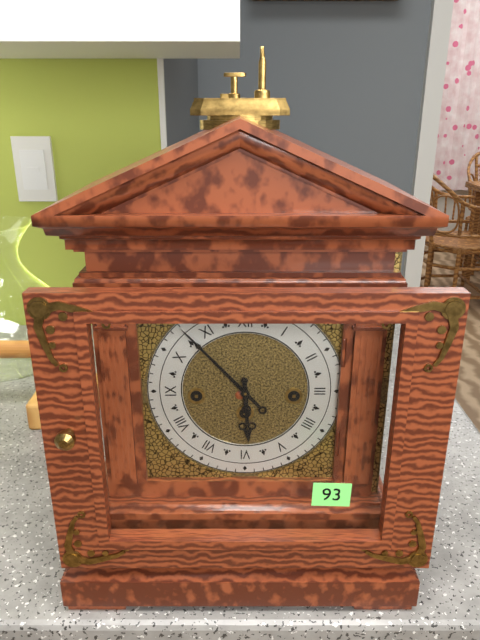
5:53
